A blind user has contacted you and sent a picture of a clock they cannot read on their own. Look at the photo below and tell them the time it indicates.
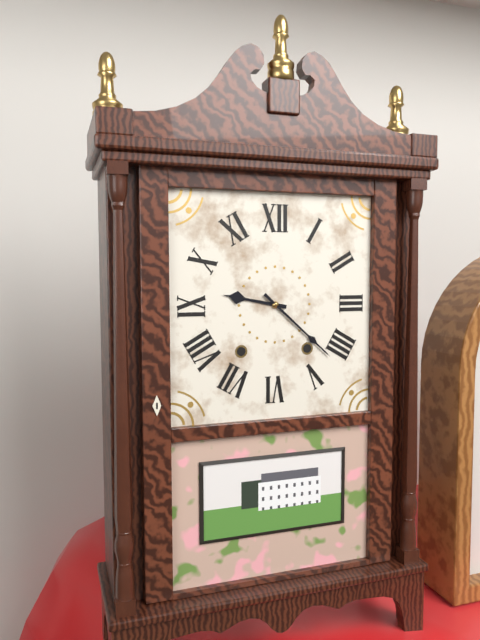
9:22
